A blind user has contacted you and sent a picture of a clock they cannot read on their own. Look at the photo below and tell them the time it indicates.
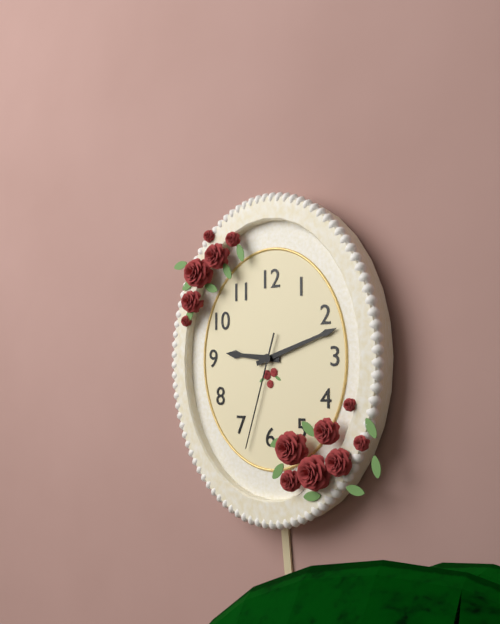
9:12:33
